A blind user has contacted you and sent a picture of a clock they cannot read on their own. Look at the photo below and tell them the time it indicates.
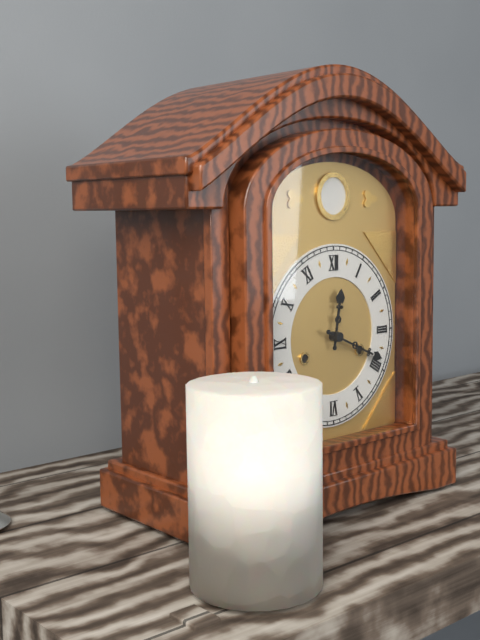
12:19
